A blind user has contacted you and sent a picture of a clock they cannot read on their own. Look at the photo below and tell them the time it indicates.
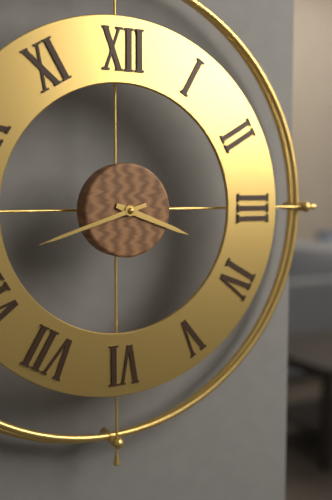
3:42
